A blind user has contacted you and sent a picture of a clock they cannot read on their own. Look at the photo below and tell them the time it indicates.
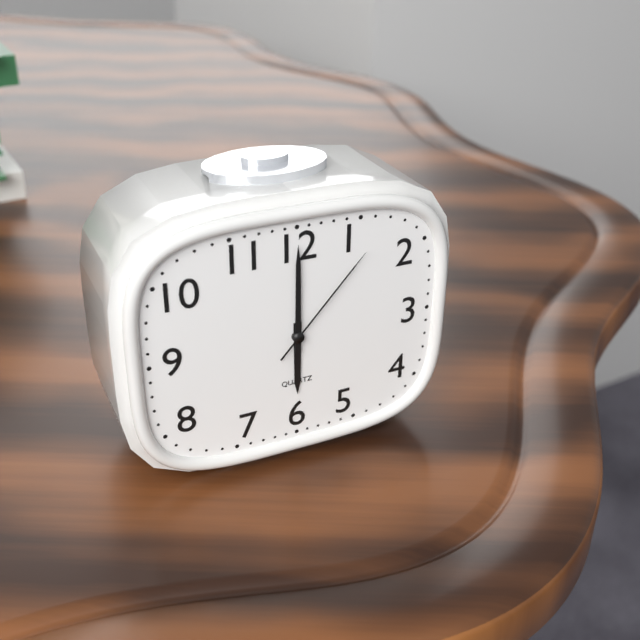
6:00:07
